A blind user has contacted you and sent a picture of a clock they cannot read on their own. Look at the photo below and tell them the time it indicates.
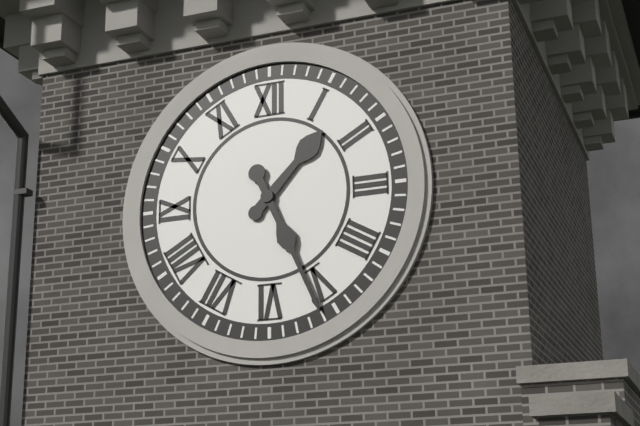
1:26
